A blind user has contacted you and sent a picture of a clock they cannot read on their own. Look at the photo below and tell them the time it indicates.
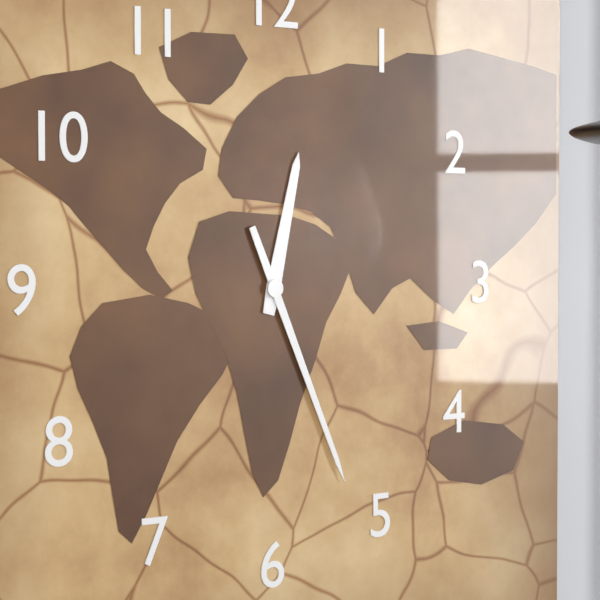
12:26
